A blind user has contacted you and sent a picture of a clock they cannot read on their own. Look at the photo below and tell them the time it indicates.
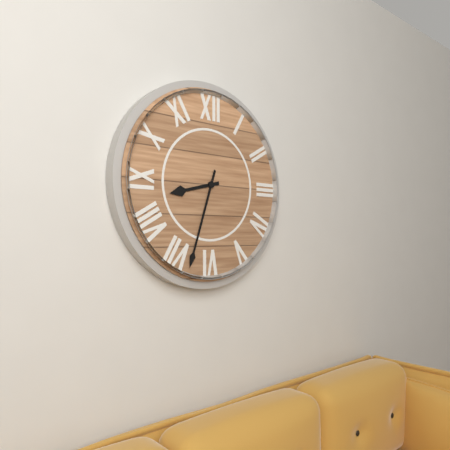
8:33
